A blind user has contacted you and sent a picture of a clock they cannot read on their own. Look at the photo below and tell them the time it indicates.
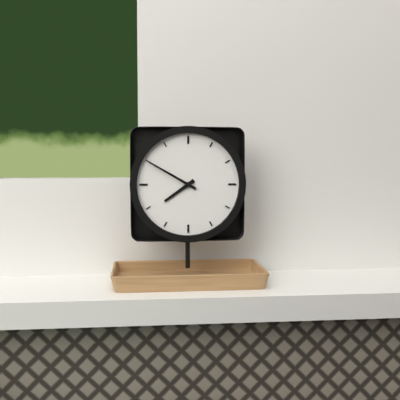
7:50
